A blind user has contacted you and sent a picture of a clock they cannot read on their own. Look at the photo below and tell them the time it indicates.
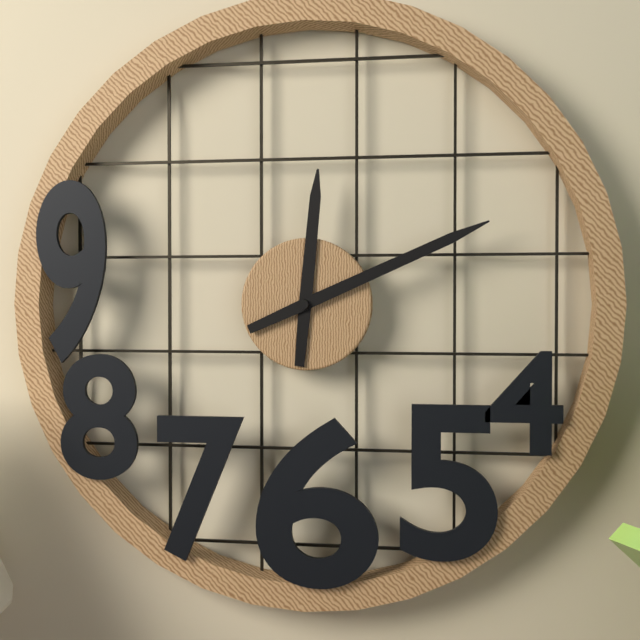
12:11
